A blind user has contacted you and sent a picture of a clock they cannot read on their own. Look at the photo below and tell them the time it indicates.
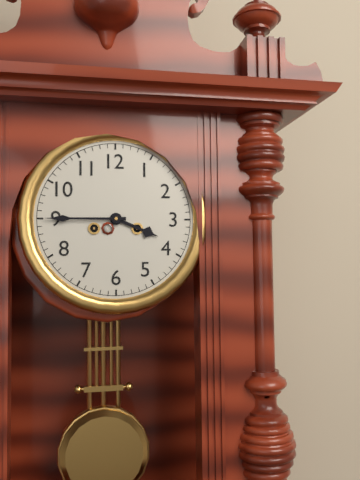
3:45
